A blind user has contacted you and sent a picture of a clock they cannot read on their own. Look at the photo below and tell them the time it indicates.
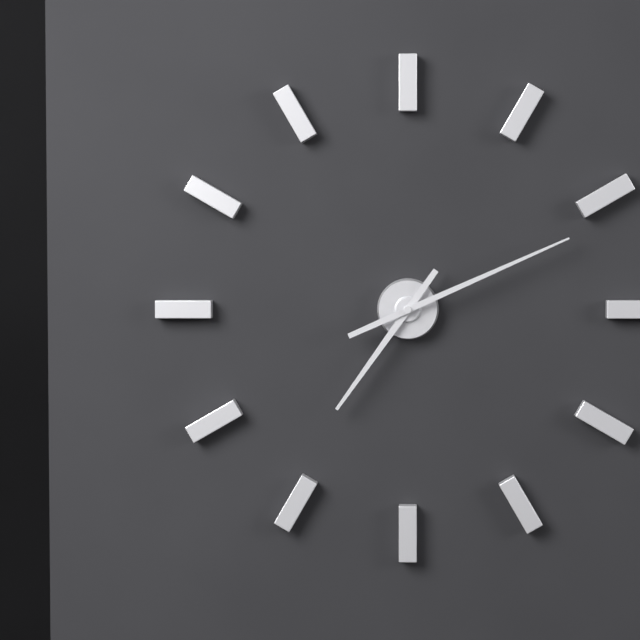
7:11
